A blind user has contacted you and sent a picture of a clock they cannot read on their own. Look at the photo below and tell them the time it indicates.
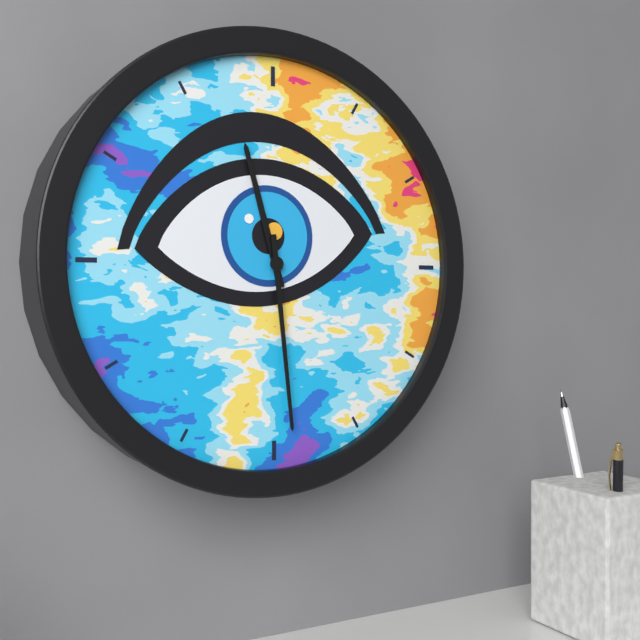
11:29
